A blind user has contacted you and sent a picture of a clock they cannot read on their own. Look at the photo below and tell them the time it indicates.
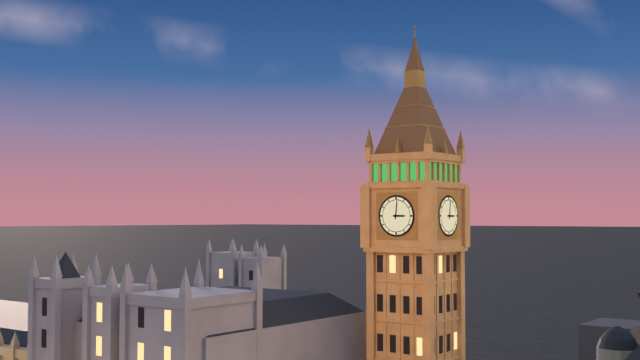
3:01
